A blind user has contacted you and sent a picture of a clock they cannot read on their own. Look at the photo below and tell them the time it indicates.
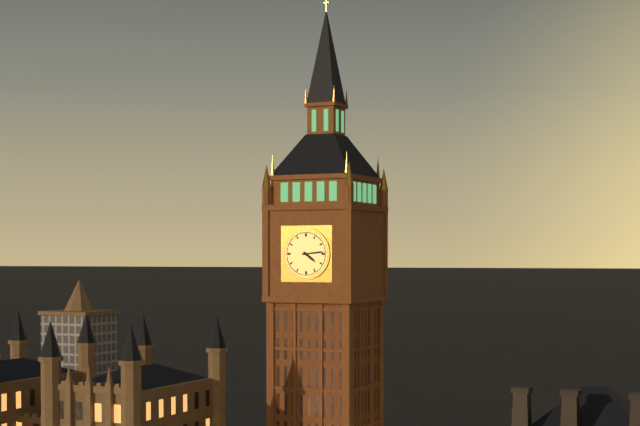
4:14
